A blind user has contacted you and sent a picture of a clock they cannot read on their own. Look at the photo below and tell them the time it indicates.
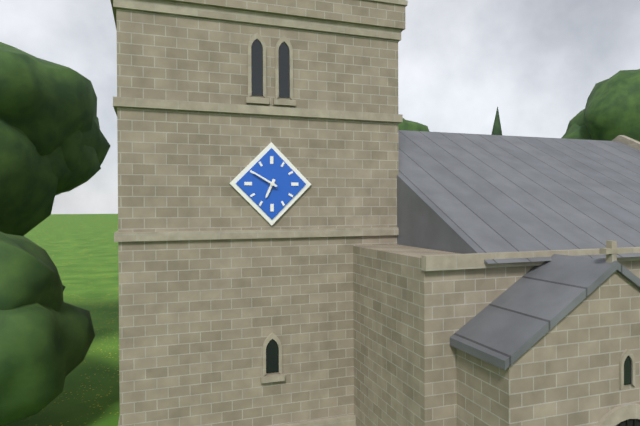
6:50
